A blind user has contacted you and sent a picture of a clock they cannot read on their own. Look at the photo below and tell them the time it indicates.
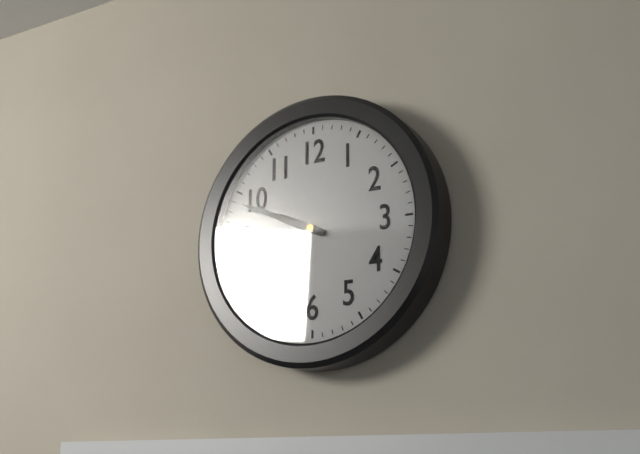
9:49
